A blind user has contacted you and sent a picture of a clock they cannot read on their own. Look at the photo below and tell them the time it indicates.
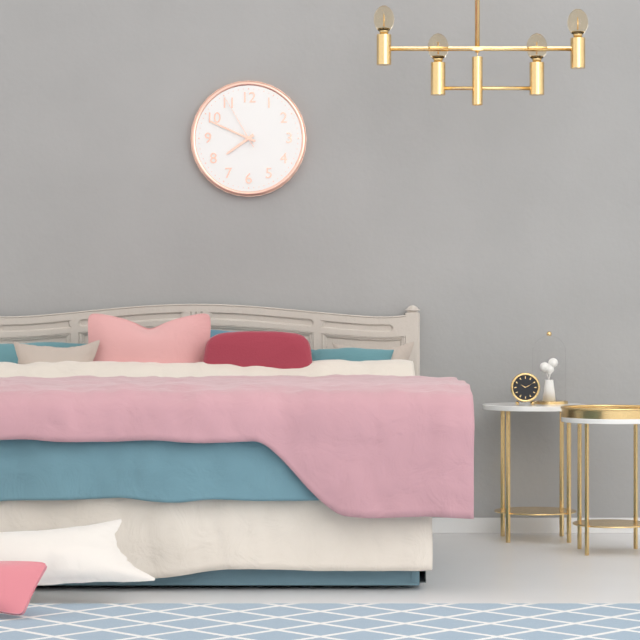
7:49:55
